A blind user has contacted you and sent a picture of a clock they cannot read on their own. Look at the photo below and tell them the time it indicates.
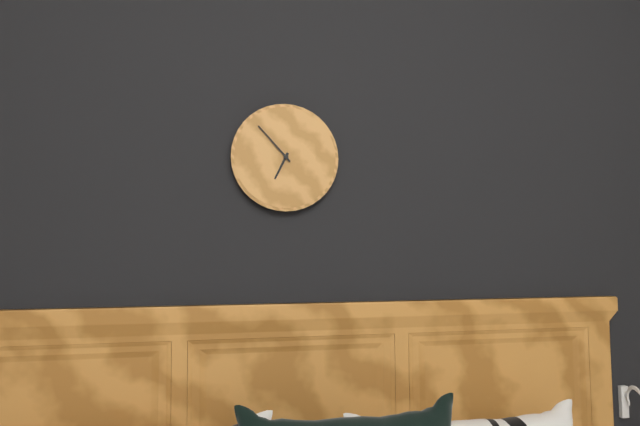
6:53
